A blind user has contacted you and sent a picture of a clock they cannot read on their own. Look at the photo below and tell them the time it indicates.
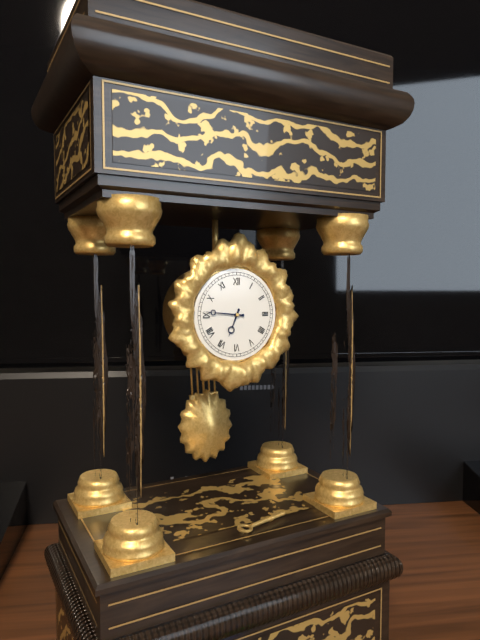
6:46
